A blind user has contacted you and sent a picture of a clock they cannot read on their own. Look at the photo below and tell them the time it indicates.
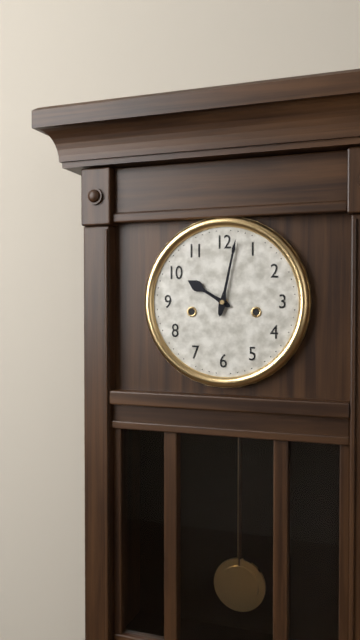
10:02
